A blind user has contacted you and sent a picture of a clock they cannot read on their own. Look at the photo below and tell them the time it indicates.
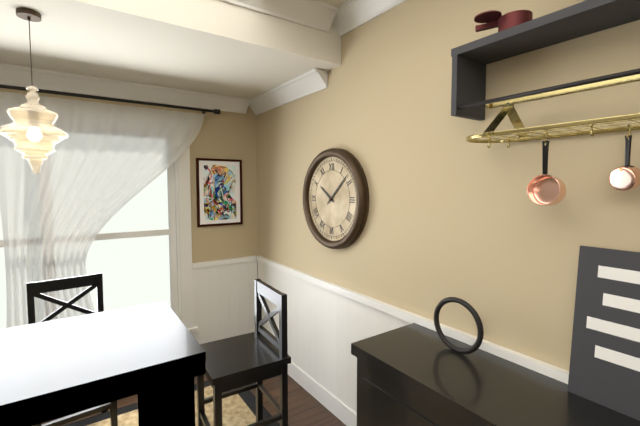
10:08
